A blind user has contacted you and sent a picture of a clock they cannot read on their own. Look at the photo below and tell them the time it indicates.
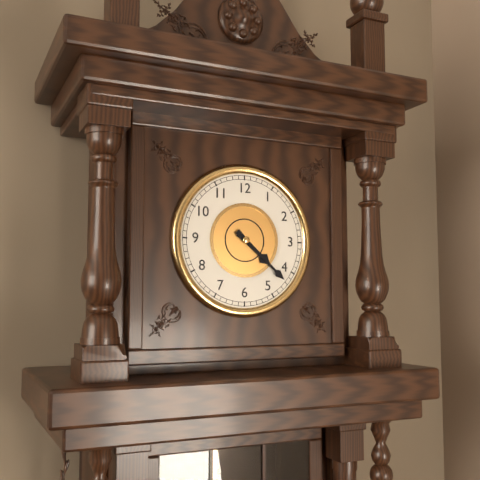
4:22
